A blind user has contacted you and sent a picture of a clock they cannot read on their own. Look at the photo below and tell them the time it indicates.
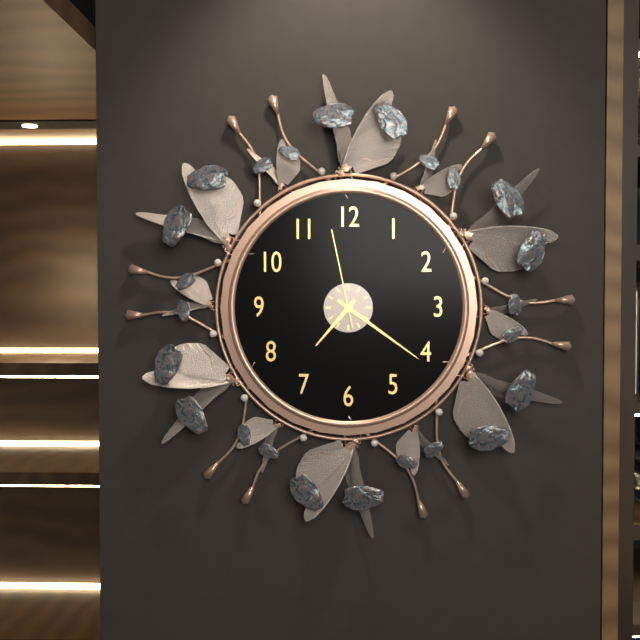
7:21:58
